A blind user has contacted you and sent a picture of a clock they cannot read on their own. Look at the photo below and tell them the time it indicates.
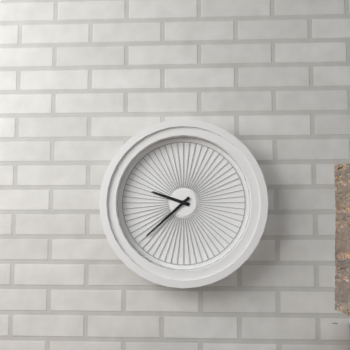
9:38
